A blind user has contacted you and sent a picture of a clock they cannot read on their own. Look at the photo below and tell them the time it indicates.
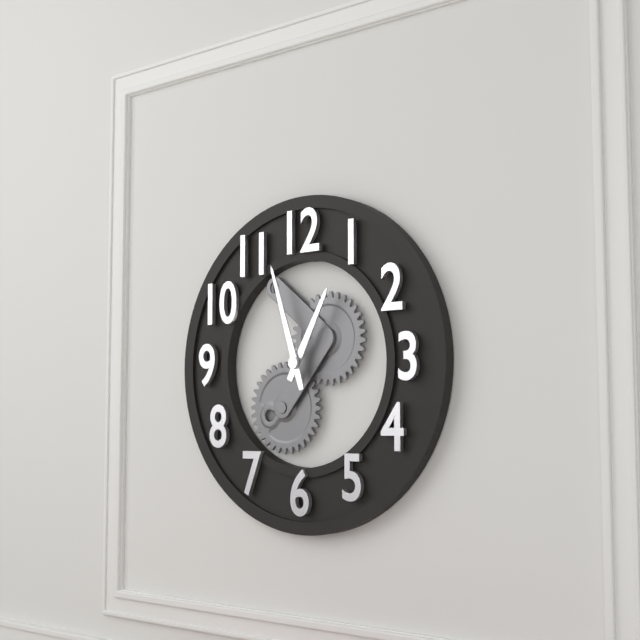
12:57
